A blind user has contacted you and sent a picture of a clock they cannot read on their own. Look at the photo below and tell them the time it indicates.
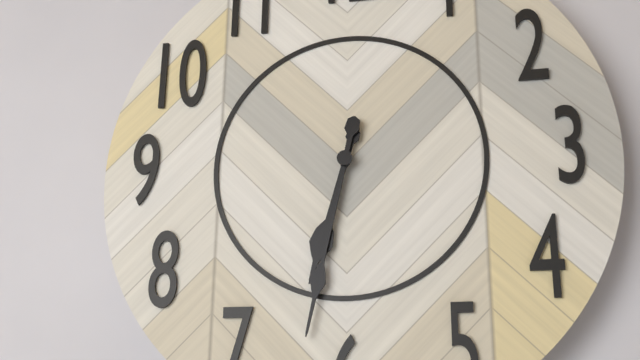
6:32
